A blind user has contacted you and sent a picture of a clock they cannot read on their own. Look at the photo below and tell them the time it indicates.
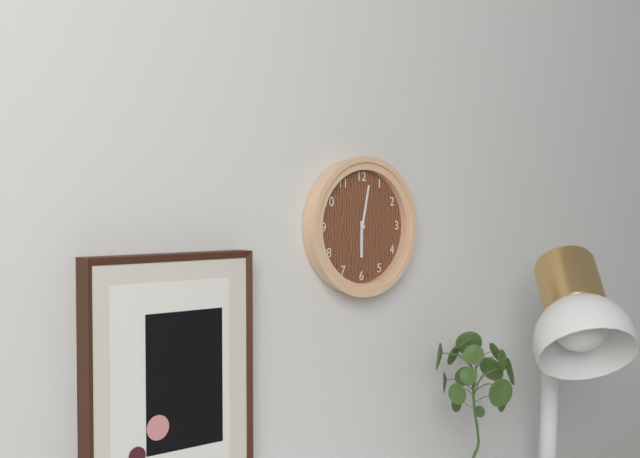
6:02
